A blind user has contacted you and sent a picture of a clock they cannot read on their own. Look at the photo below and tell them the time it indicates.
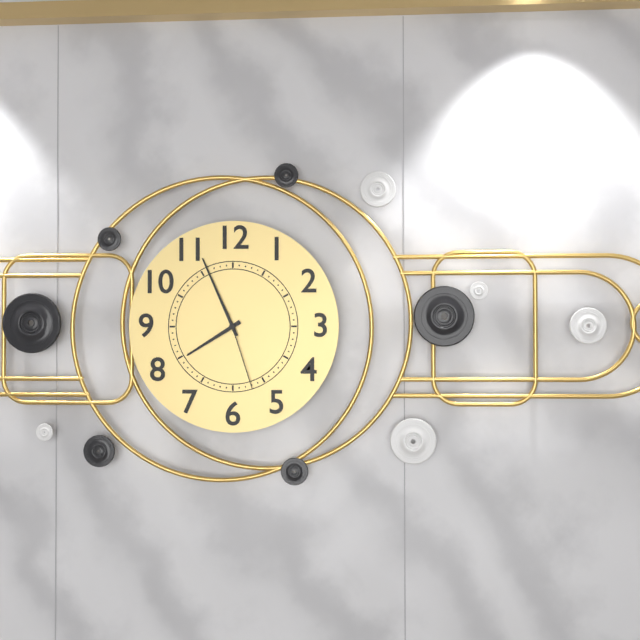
7:56:27
